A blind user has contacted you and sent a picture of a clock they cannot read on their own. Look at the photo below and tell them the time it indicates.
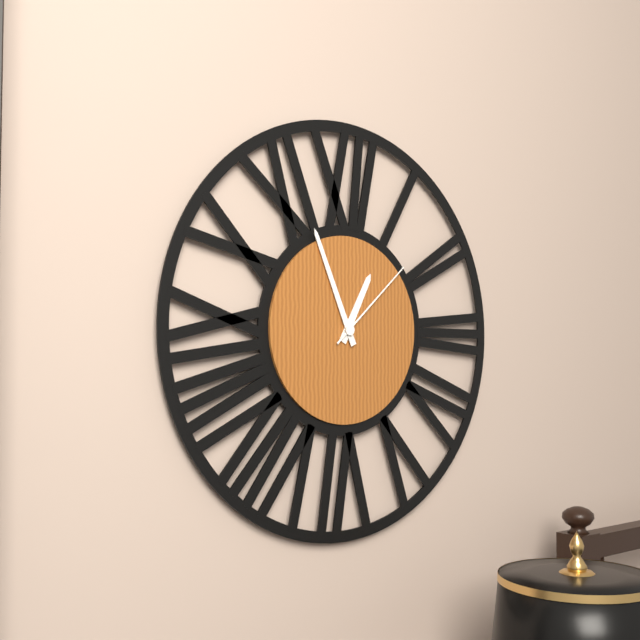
12:56:08
